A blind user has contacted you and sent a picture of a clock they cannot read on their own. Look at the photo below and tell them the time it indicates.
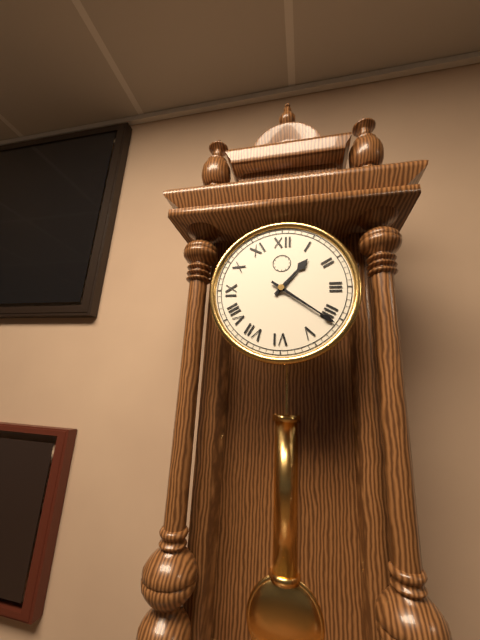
1:21
